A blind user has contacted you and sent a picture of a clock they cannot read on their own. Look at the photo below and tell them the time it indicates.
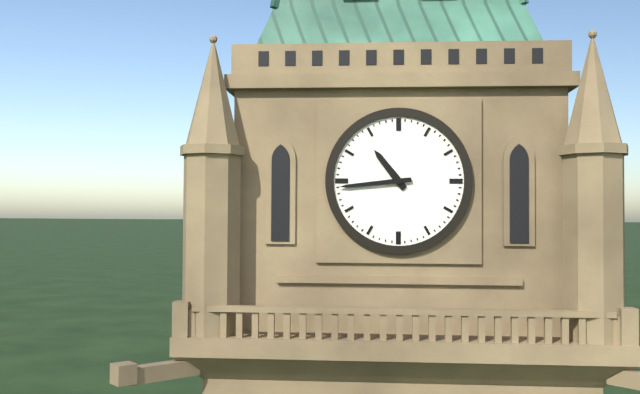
10:44
